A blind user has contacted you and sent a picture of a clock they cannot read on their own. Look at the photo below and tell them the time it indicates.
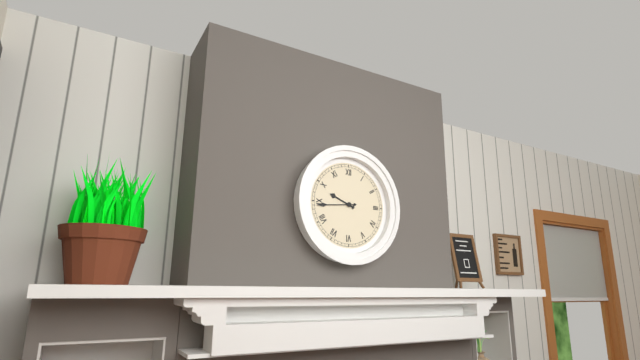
9:44
